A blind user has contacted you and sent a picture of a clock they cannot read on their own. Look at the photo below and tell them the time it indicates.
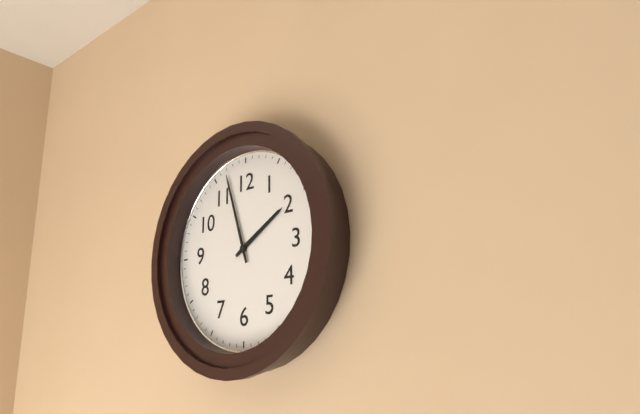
1:57
